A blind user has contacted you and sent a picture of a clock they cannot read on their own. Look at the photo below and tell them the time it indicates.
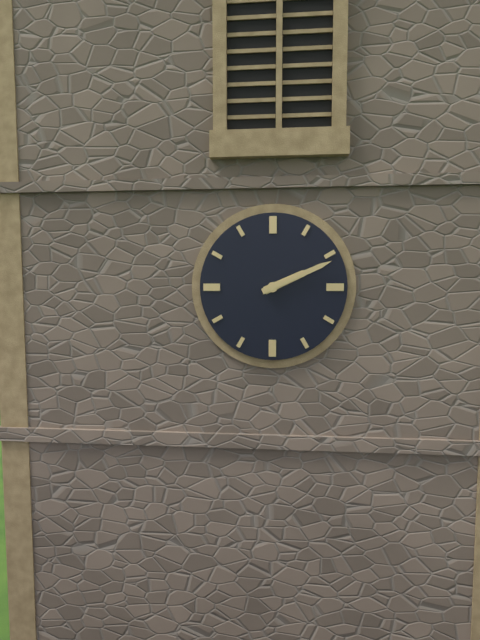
2:11
